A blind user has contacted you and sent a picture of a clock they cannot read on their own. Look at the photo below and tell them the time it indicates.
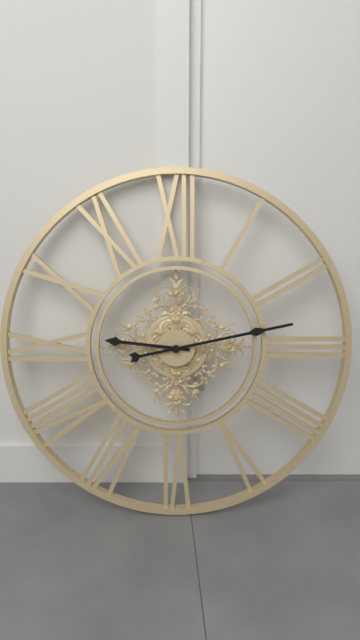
9:13
